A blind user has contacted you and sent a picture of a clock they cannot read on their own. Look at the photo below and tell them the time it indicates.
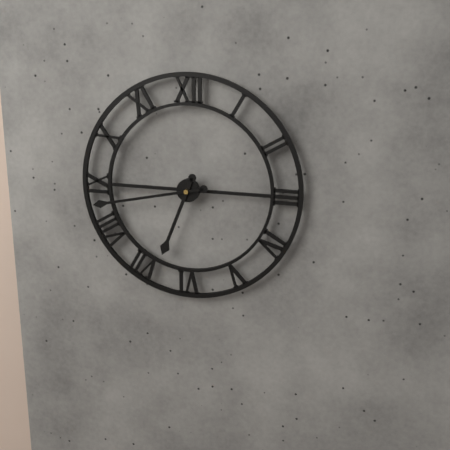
6:43
